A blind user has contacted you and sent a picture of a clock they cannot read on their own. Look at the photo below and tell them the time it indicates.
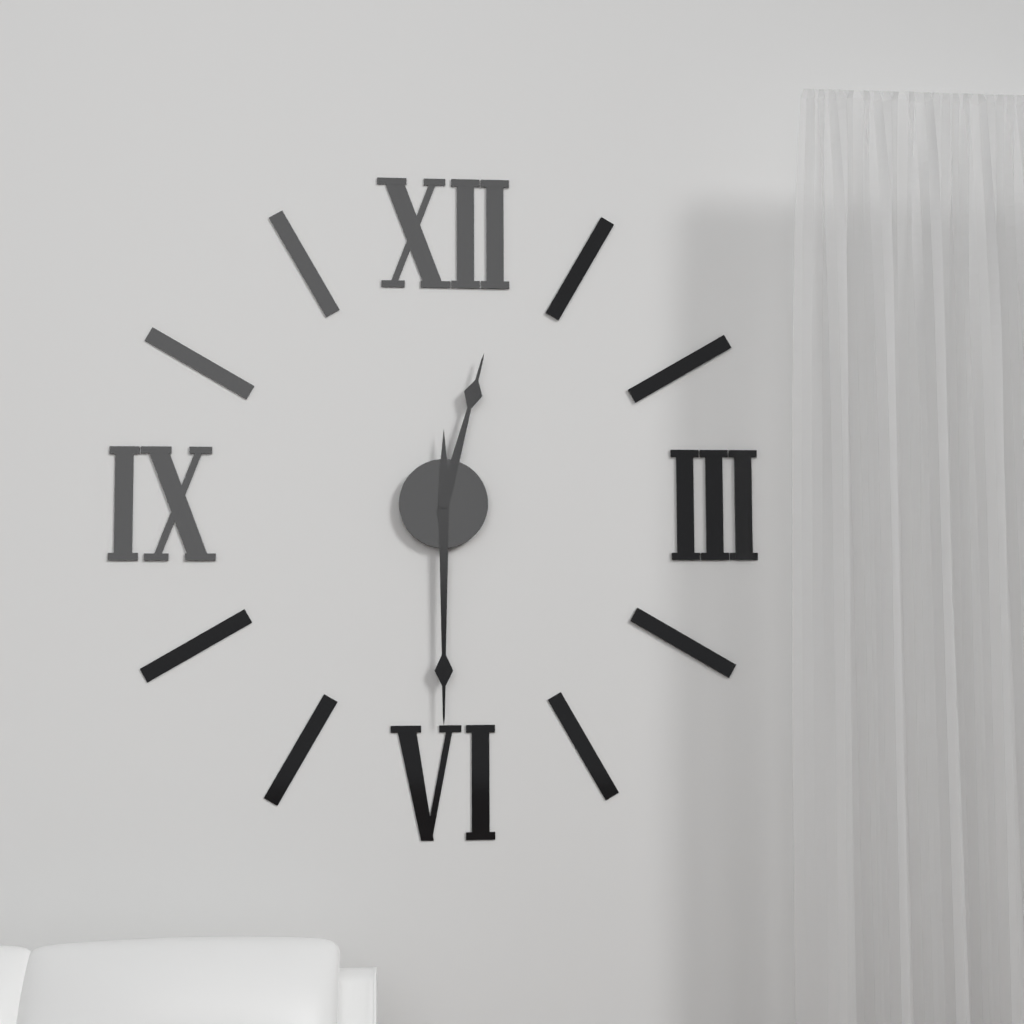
12:30
